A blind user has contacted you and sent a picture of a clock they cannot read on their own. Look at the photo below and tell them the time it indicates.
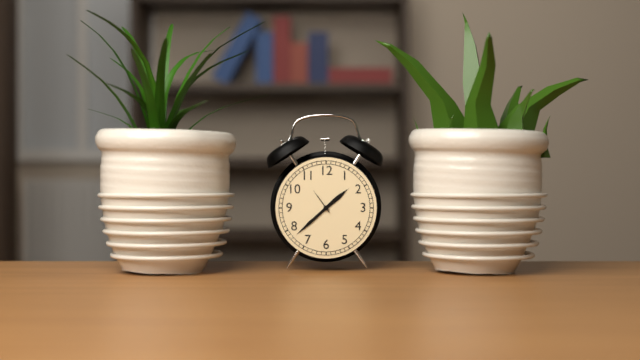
1:38
